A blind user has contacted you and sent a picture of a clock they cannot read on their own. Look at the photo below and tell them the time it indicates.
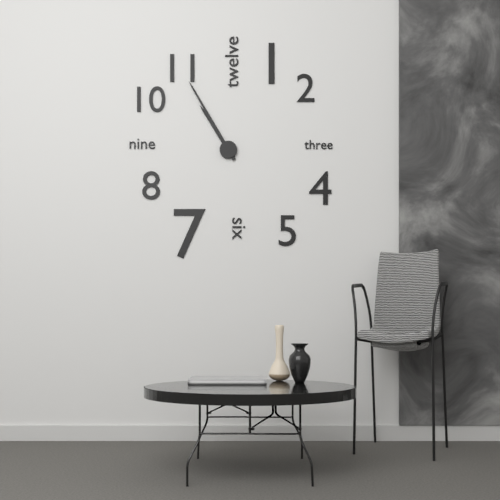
10:55
